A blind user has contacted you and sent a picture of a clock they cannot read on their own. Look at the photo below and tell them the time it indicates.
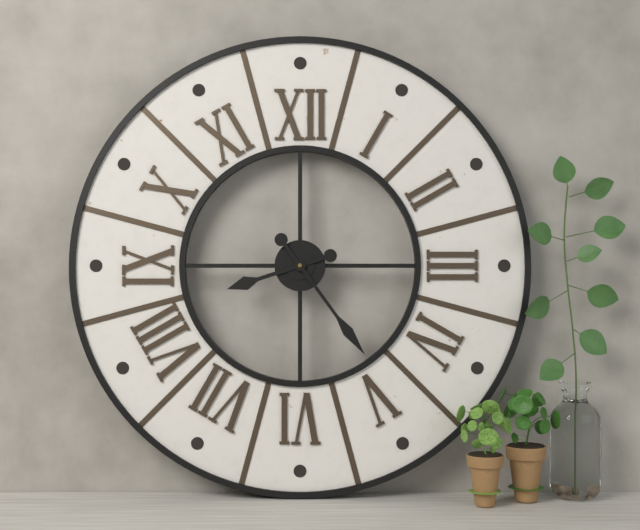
8:24
